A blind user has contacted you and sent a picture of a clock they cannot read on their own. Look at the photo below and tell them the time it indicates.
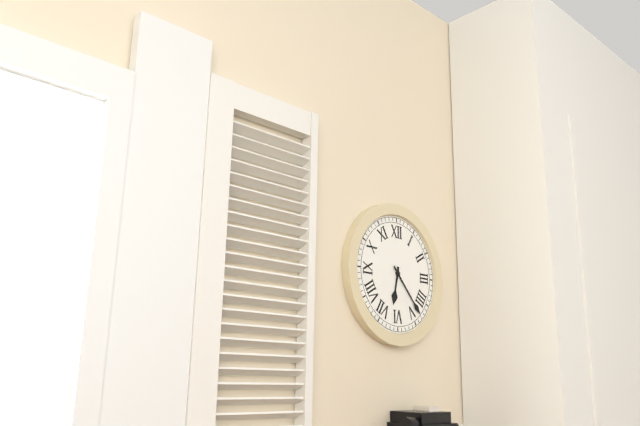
6:23
